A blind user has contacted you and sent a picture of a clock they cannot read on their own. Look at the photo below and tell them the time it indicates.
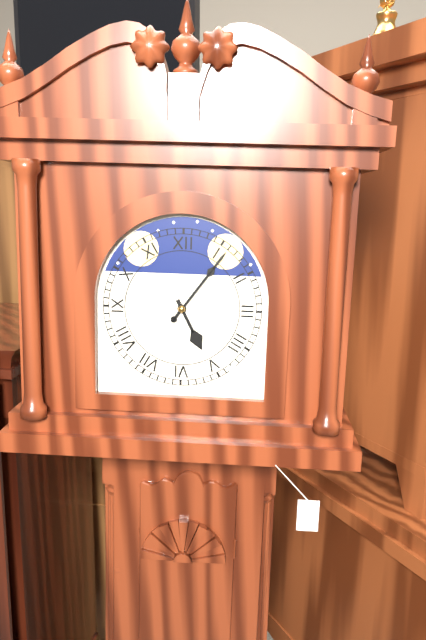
5:06
